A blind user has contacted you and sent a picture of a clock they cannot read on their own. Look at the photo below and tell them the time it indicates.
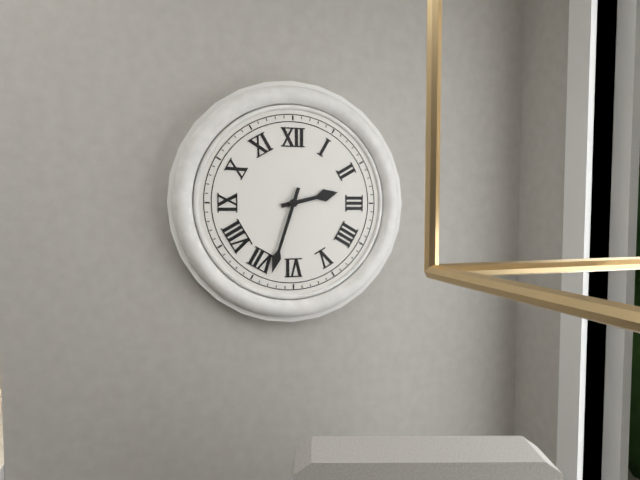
2:33
